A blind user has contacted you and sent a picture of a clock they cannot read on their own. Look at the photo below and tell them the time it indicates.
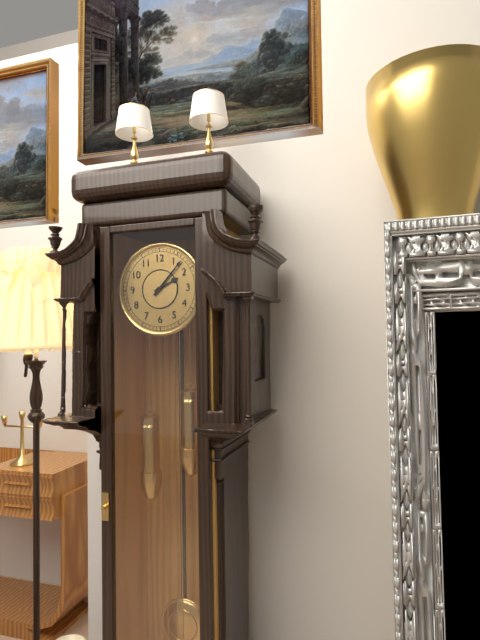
2:07
